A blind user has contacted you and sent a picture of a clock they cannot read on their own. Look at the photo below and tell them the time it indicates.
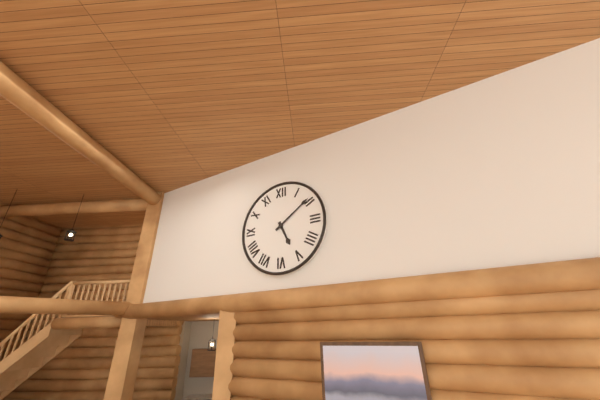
5:09
